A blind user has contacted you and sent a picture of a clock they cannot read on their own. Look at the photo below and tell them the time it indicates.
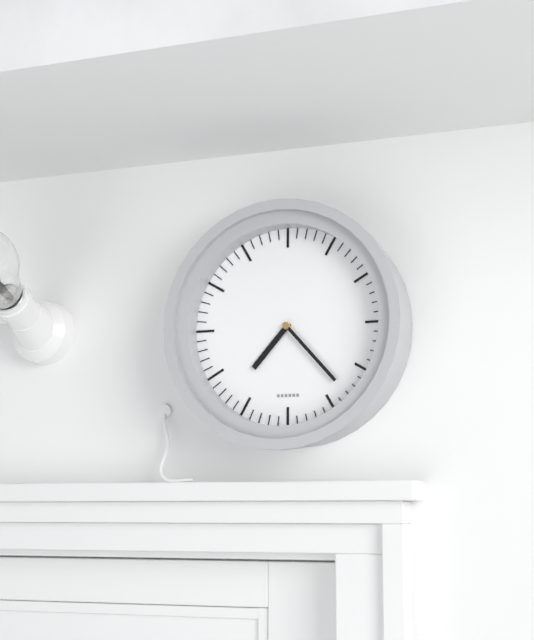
7:23
